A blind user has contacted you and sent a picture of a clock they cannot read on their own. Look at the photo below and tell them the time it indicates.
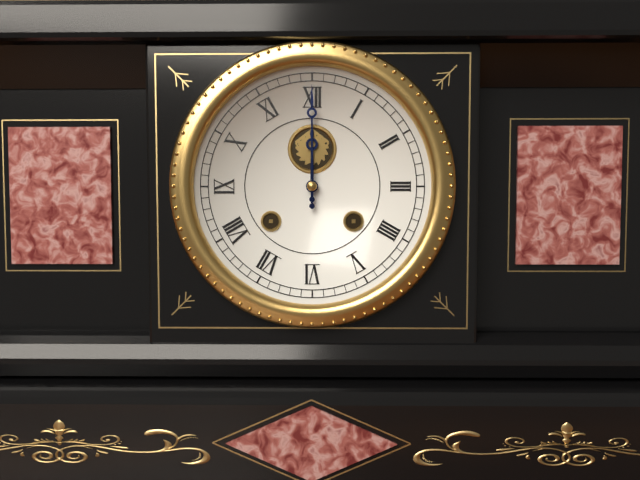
12:00
